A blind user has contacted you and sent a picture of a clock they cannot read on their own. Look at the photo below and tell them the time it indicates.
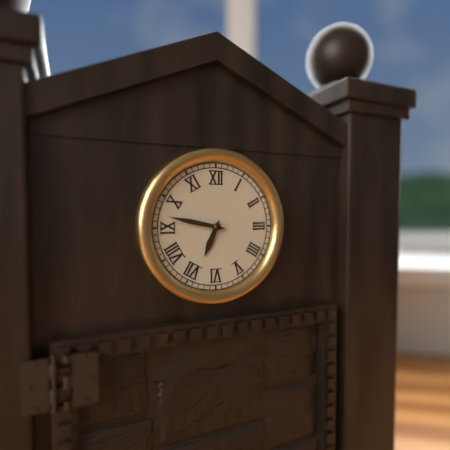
6:47
